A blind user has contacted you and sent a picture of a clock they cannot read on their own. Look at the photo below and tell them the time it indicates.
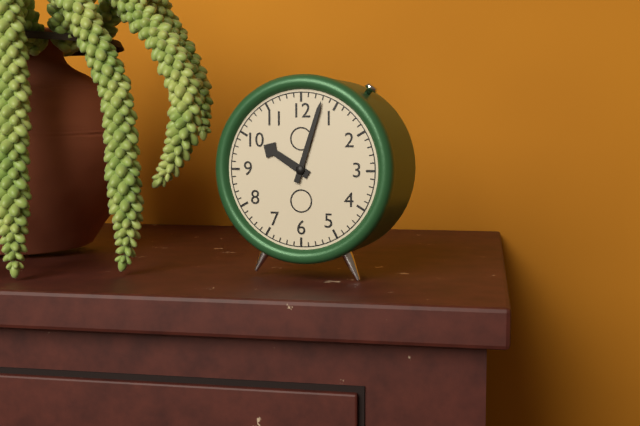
10:03
